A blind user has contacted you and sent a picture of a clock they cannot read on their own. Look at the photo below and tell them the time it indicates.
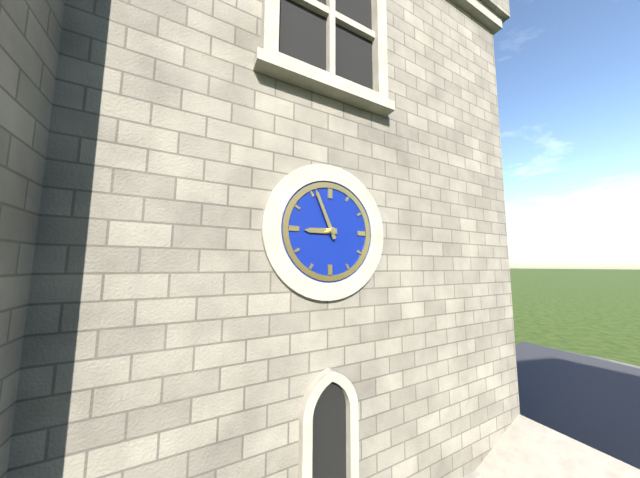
8:56
